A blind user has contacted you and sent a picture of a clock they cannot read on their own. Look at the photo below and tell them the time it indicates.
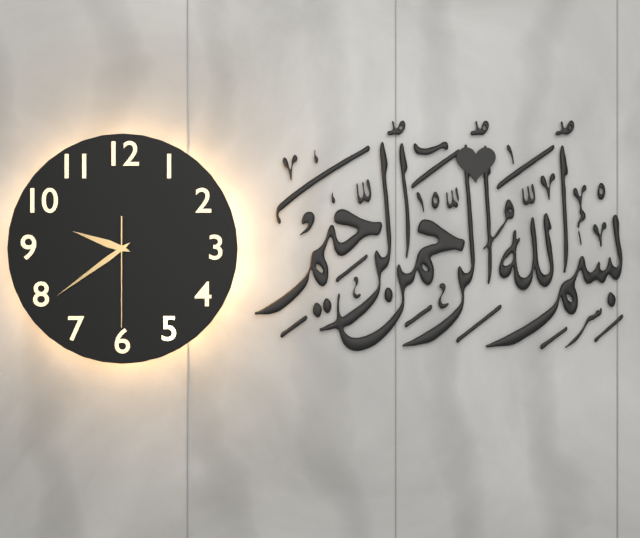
9:39:30
